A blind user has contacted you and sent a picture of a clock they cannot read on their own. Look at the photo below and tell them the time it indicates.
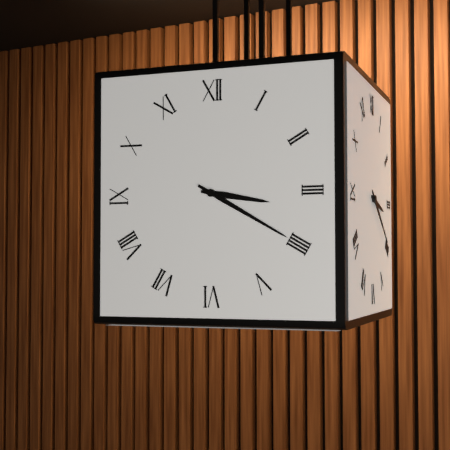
3:20
